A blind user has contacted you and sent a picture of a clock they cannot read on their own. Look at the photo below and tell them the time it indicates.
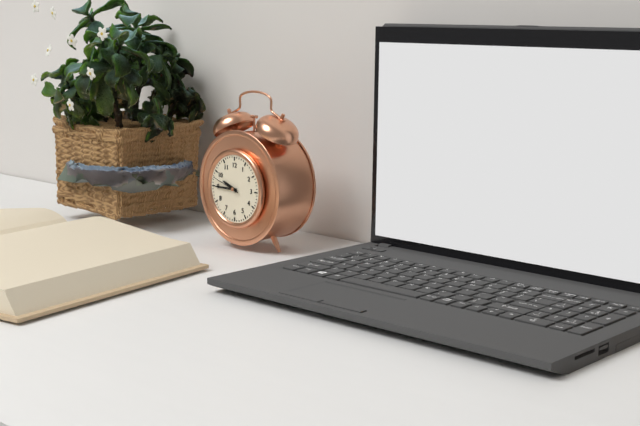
9:45
